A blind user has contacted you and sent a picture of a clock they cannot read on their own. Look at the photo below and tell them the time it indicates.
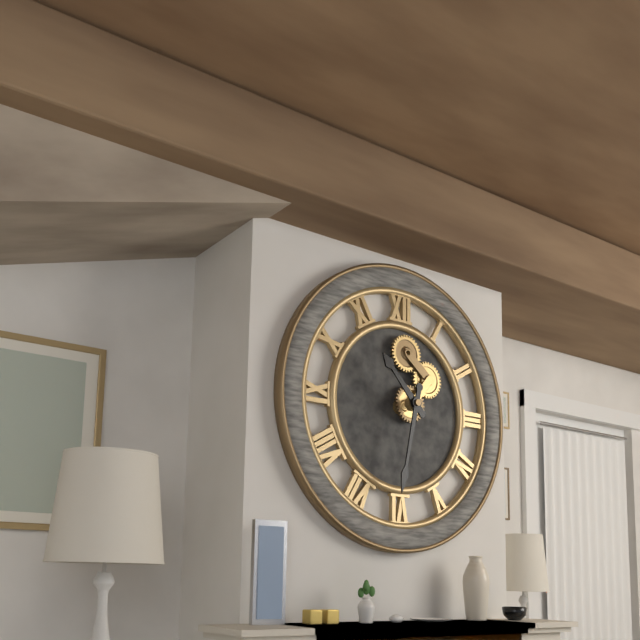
10:32
